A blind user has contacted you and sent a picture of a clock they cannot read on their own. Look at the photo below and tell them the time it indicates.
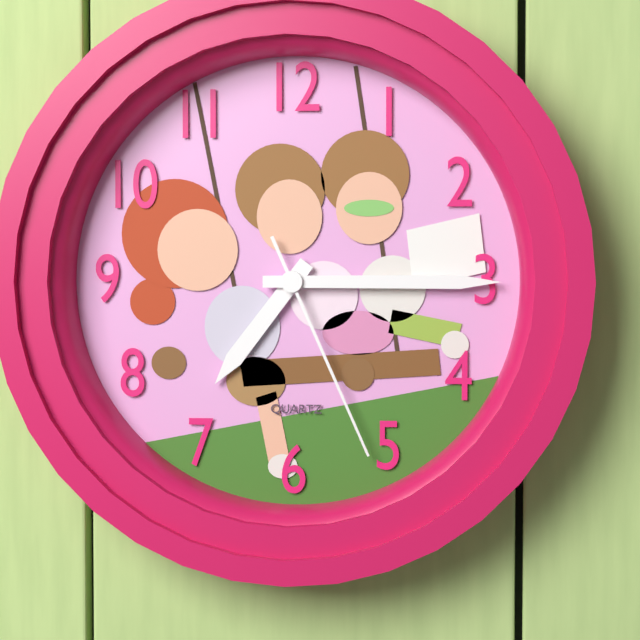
7:15:26
